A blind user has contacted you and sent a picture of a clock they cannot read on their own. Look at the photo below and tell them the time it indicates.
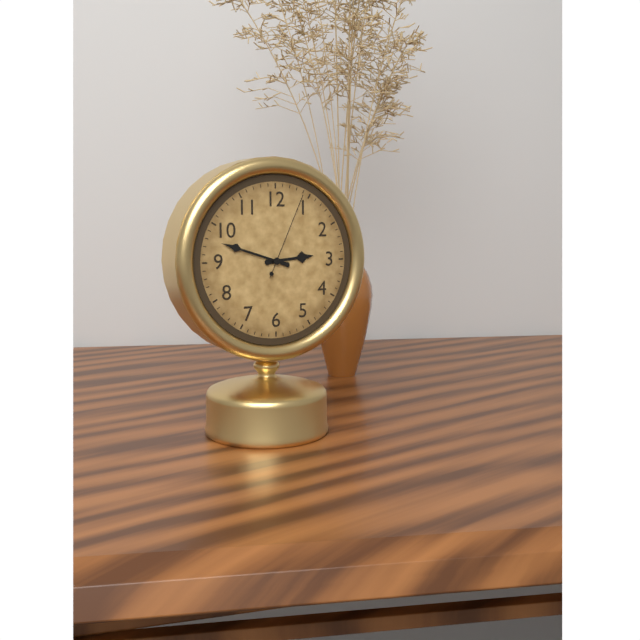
2:48:04
